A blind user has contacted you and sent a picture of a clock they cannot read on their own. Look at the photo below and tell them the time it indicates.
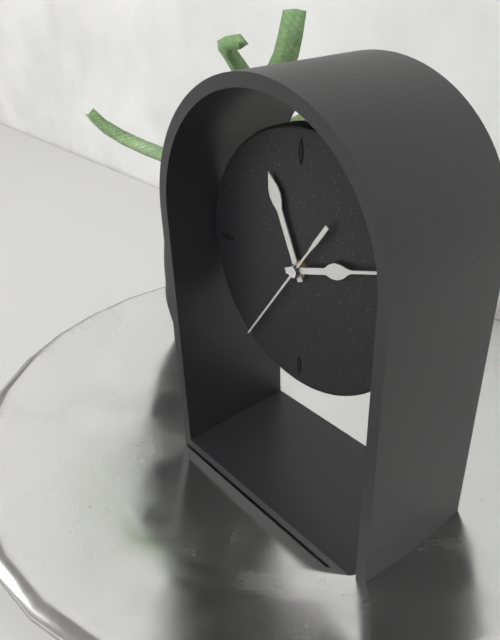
11:12:36
